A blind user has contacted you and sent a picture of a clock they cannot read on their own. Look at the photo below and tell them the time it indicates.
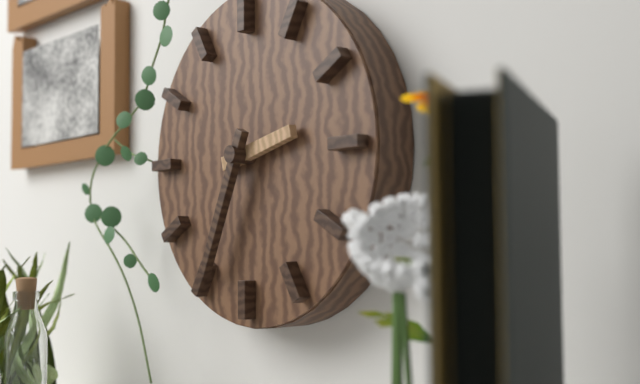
2:34
